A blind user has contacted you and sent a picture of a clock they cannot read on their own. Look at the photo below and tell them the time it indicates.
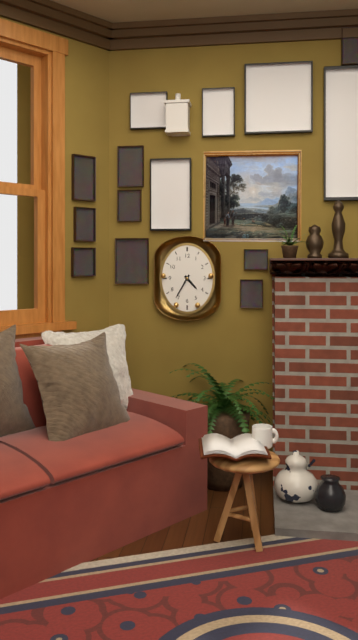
4:35
